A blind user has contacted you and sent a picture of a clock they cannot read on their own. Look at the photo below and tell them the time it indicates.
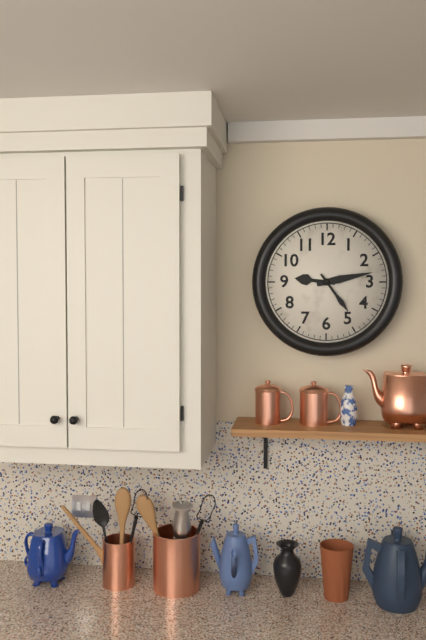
9:13
